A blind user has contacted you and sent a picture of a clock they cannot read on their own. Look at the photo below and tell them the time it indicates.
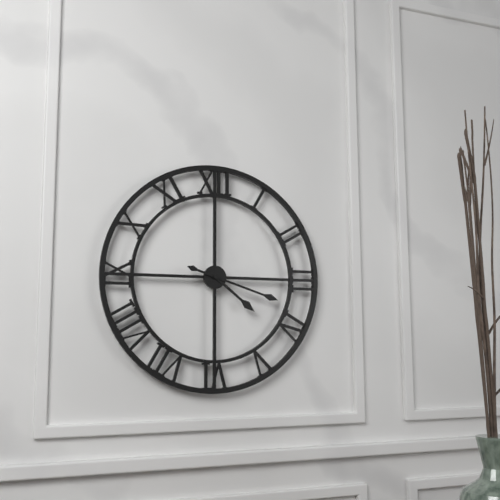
4:18
